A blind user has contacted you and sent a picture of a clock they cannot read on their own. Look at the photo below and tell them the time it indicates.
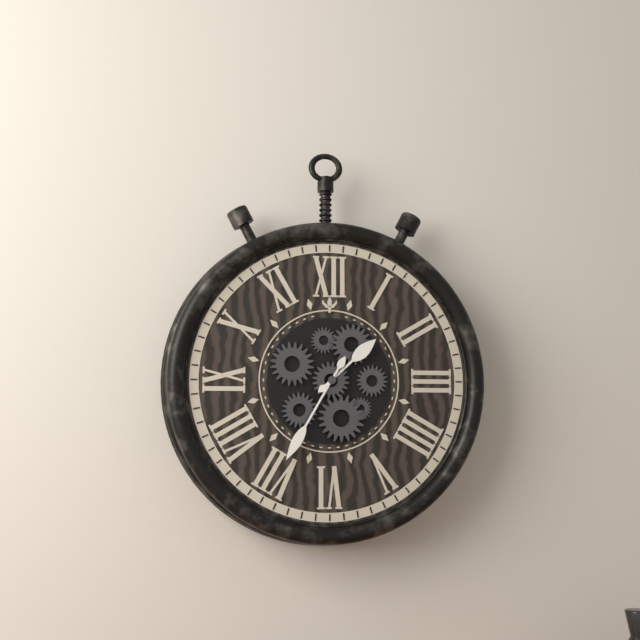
1:35
